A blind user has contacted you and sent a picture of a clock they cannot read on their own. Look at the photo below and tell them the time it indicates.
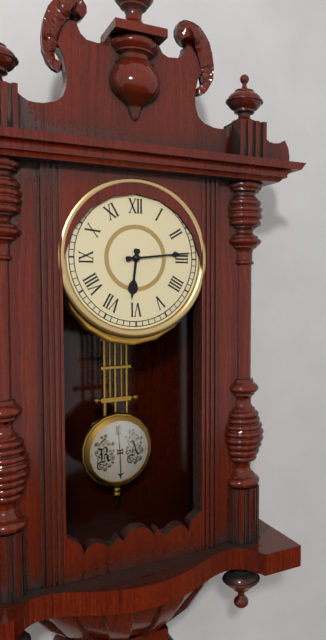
6:14
